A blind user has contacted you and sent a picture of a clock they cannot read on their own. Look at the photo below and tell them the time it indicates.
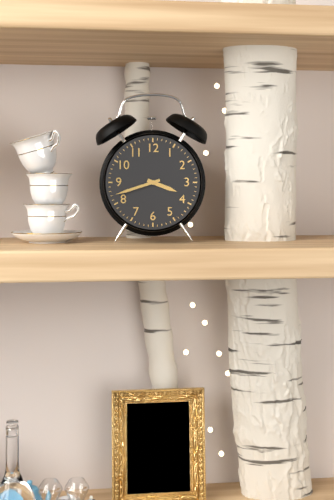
3:42
